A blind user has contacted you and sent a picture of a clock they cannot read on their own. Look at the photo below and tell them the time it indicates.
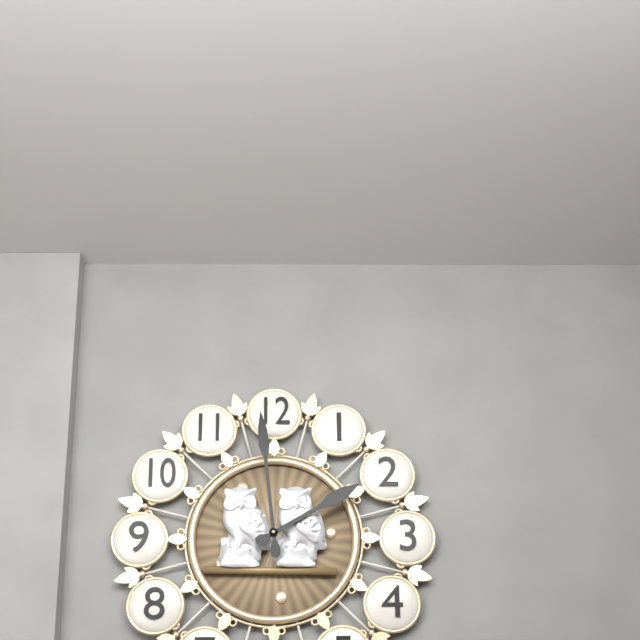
1:59
